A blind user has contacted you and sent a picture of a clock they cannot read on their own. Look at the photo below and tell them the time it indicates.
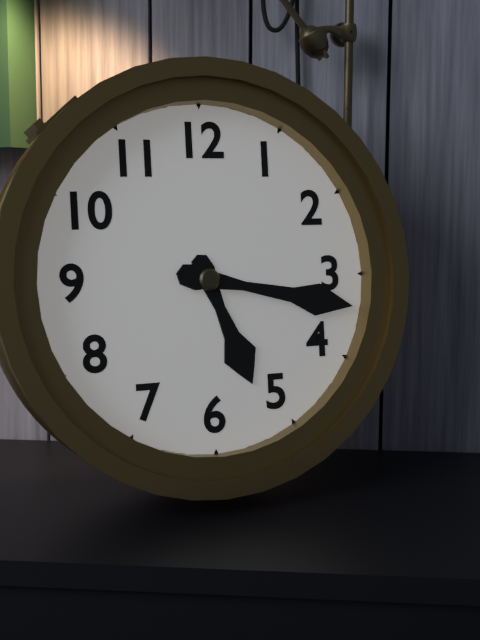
5:17
